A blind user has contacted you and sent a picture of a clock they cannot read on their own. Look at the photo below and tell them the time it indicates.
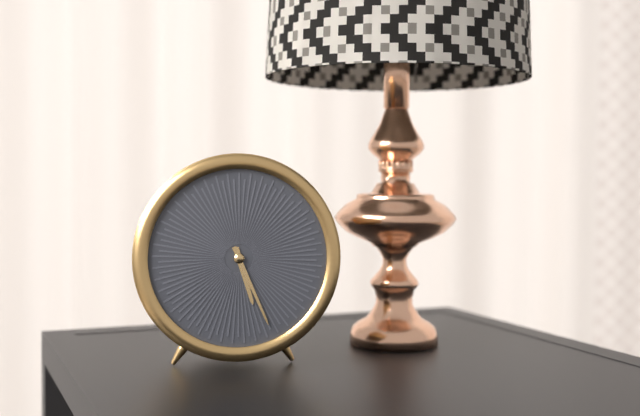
5:26
